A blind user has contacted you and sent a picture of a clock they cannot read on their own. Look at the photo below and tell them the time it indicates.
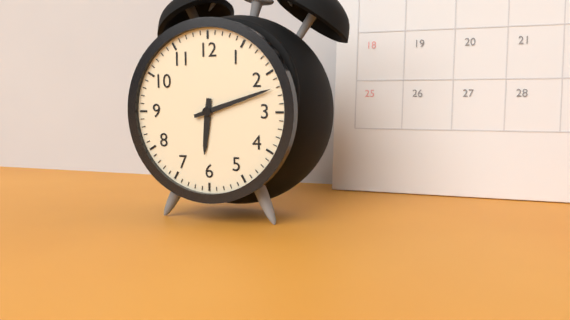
6:12
